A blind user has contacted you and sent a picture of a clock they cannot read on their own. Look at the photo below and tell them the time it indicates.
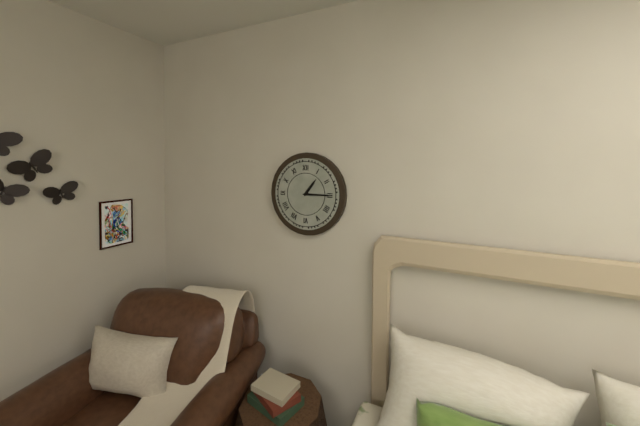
1:15
